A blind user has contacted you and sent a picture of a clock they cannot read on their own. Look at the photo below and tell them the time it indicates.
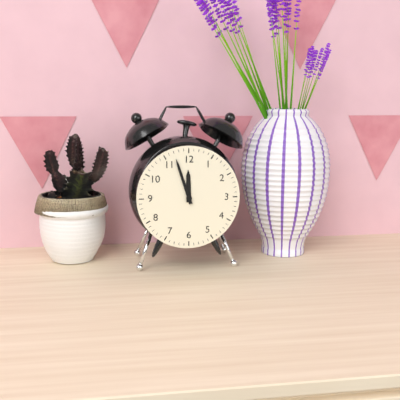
11:57
